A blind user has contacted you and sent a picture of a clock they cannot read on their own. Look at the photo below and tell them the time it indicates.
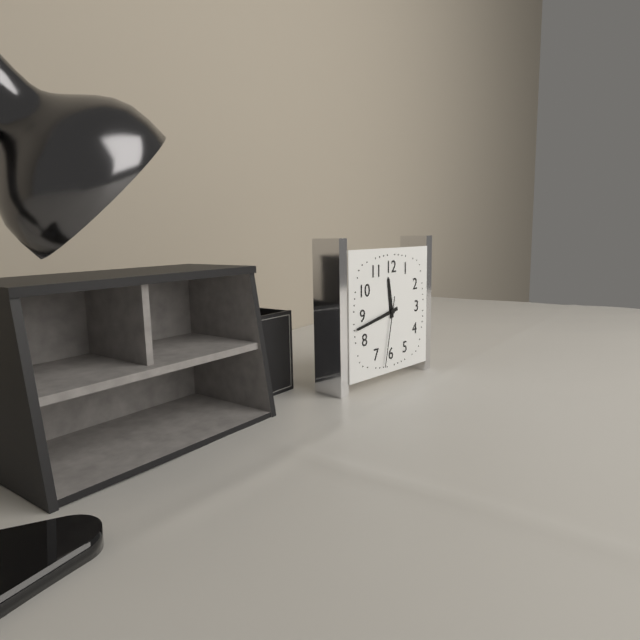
11:43:32
